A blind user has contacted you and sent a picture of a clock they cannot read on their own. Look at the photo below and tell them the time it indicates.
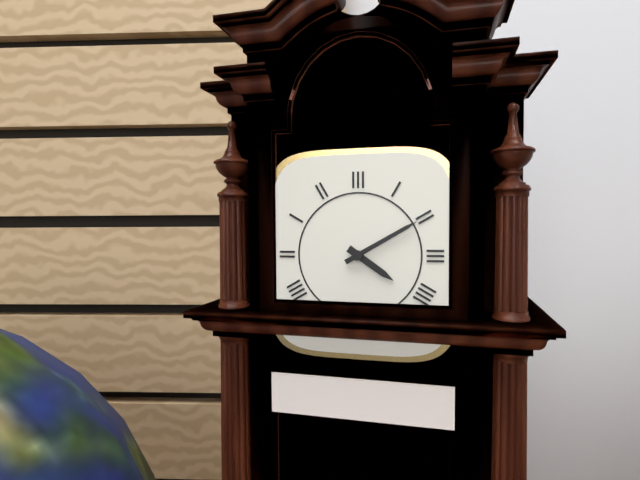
4:10
